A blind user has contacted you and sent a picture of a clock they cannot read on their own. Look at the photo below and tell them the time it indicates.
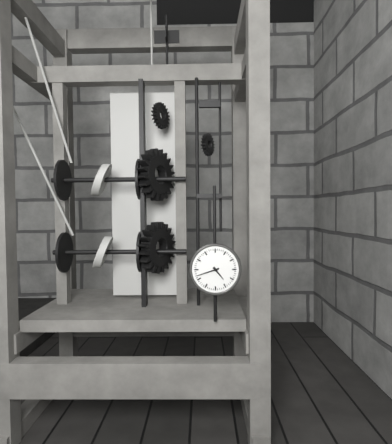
4:42
